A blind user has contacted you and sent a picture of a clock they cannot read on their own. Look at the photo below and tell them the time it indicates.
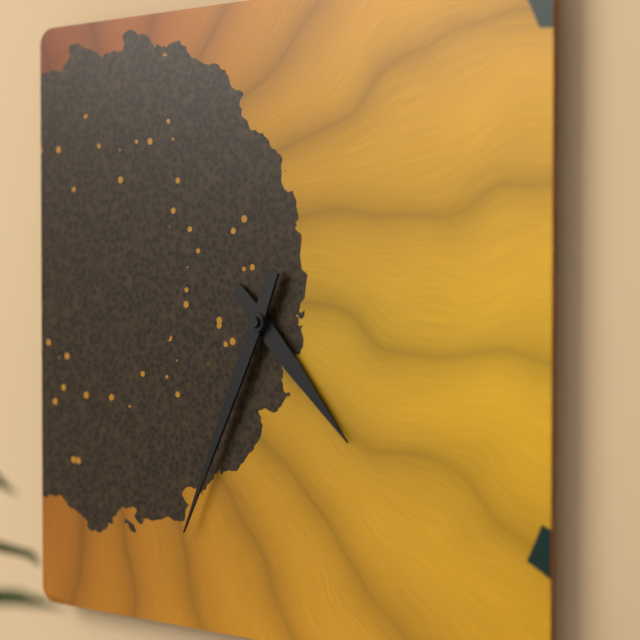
4:34
